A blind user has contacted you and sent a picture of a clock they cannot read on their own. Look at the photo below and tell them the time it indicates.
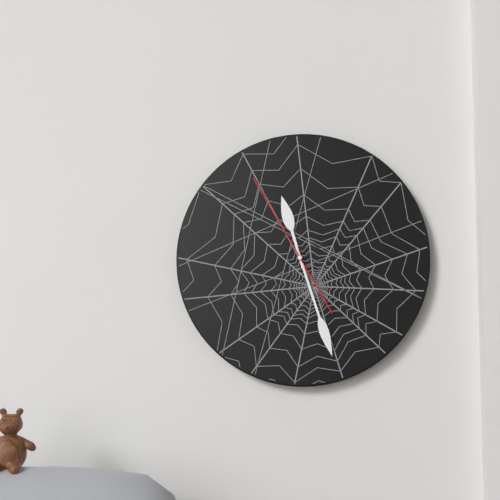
11:27:55
